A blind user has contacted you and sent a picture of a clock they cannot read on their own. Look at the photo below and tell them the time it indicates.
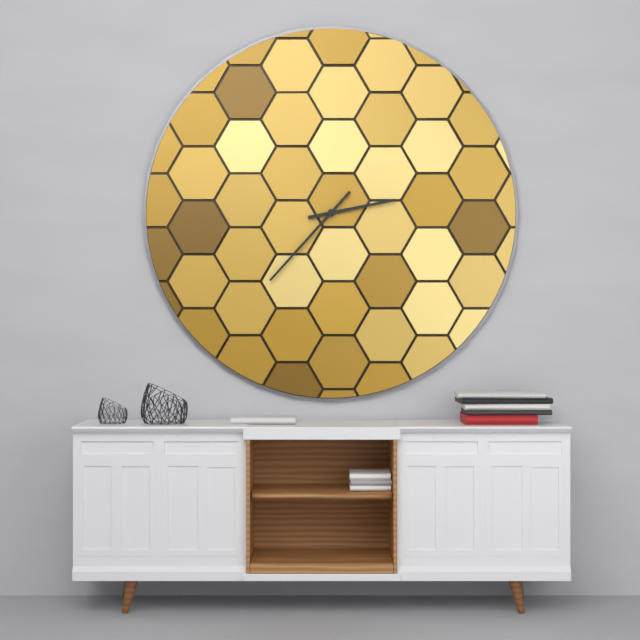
2:37
